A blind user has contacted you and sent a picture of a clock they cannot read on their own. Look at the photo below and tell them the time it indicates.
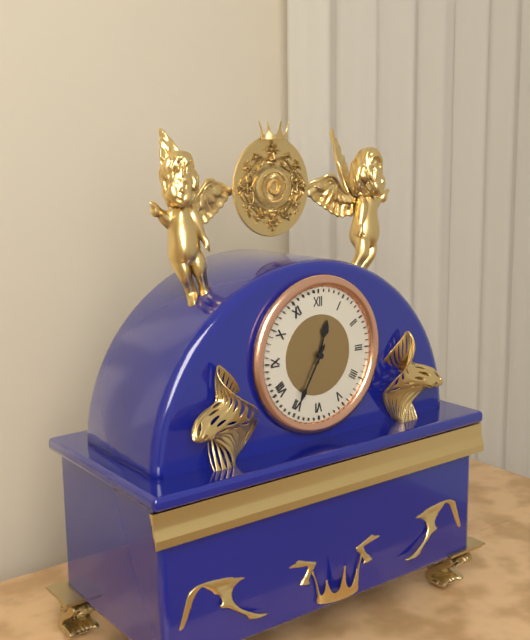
12:35
